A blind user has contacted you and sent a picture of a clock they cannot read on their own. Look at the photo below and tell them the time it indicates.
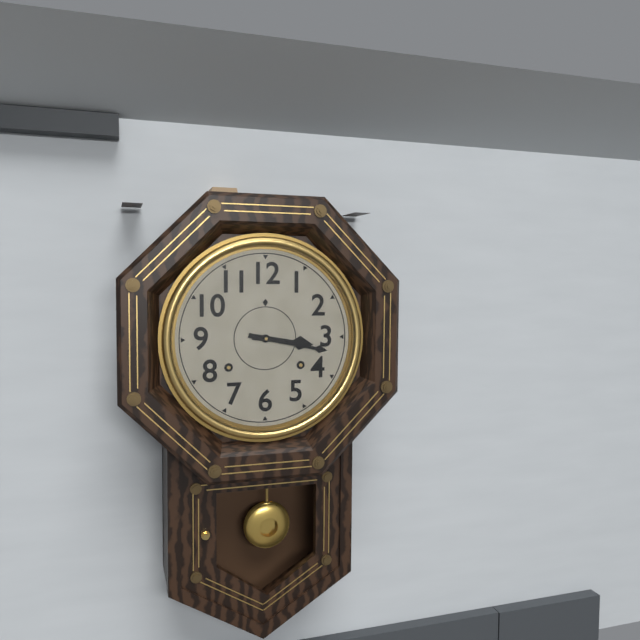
3:17
